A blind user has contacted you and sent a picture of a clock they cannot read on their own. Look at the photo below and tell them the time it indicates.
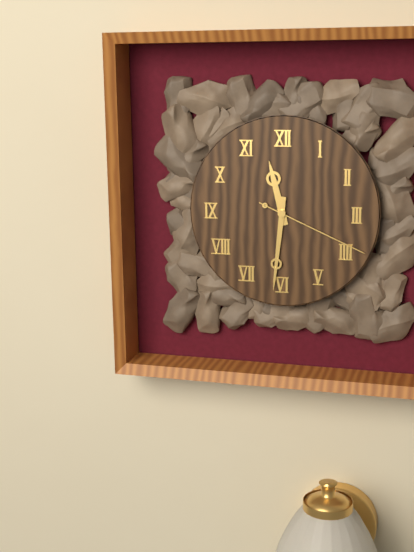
11:31:19
